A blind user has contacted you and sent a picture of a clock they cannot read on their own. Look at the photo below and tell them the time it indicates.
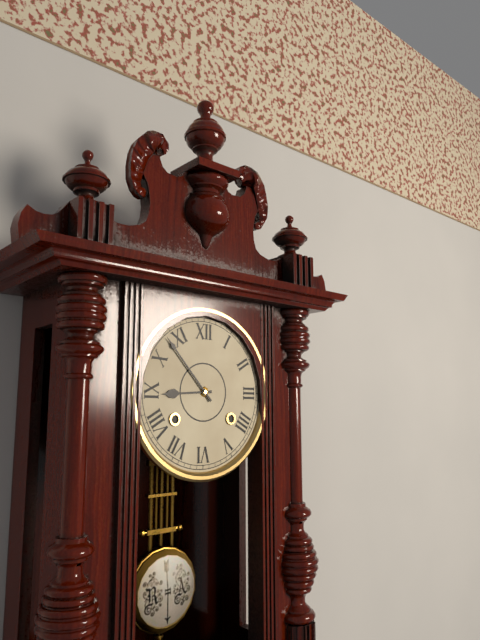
8:53
